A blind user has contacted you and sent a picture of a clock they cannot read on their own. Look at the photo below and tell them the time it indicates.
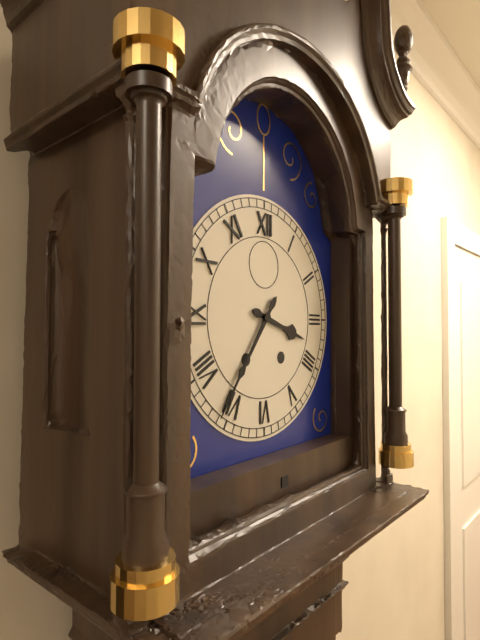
3:36
